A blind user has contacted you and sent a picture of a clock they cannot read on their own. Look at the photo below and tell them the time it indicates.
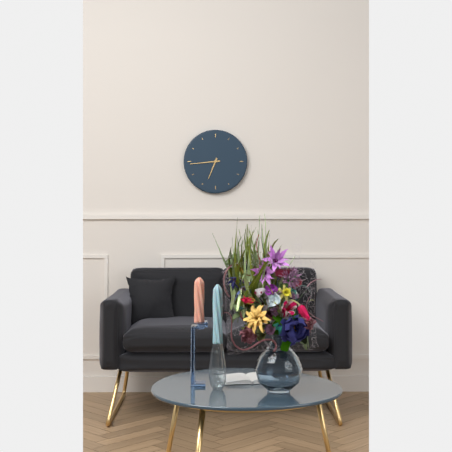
6:44
